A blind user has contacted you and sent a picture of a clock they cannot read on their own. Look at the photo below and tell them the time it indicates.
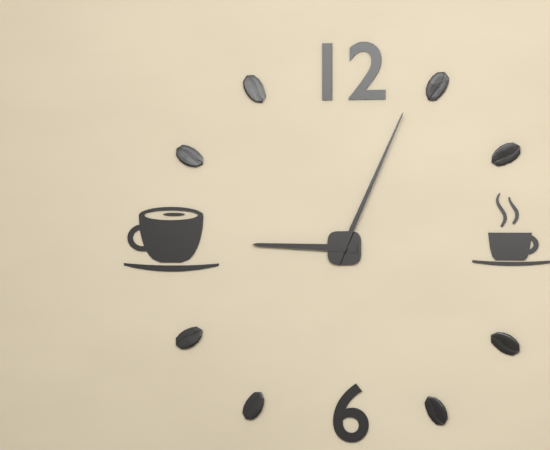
9:04
